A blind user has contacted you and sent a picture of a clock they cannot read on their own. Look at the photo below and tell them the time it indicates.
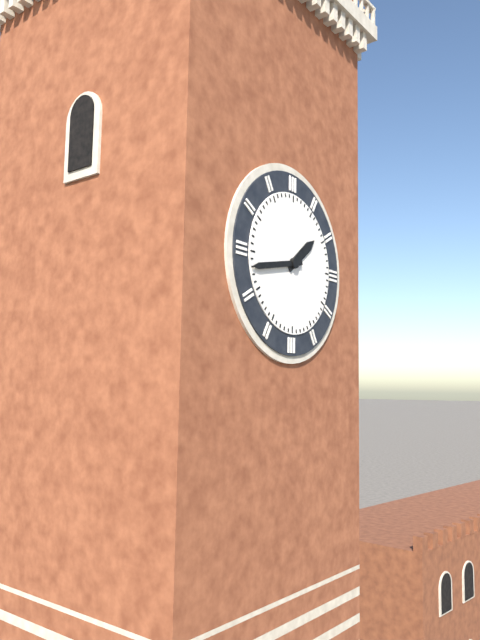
1:43
